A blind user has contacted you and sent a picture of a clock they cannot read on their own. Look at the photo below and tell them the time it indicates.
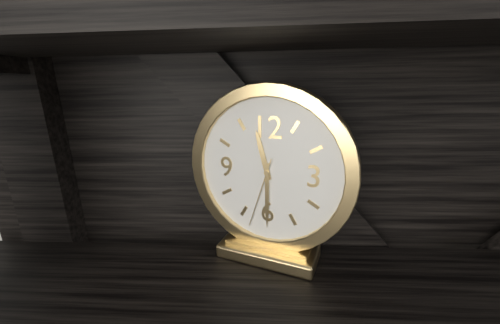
11:30:33
